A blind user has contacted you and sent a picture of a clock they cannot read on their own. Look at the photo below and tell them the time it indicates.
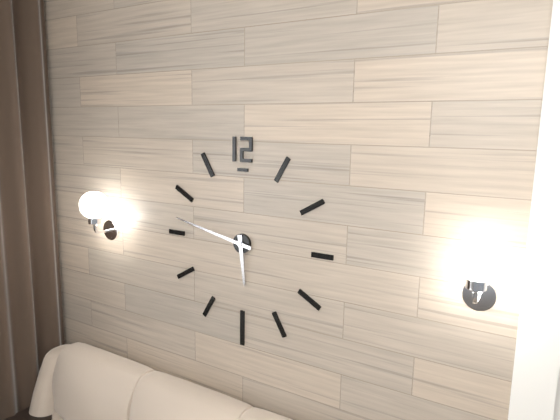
5:47
